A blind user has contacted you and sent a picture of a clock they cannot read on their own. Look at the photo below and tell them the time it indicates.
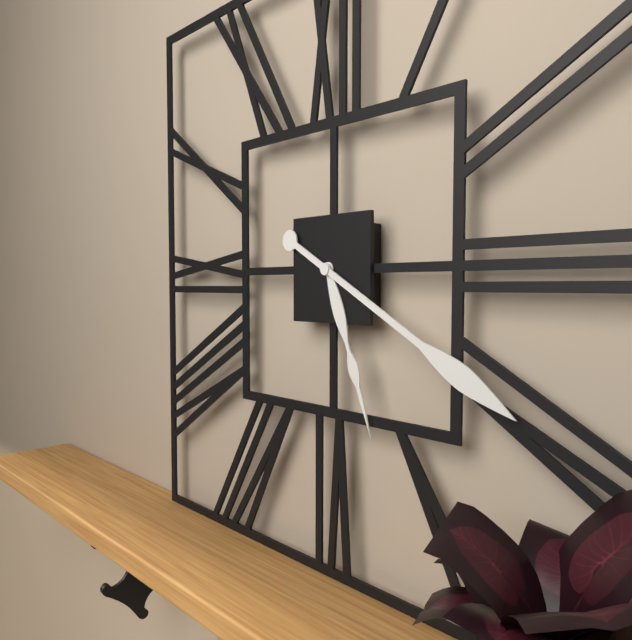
5:20
